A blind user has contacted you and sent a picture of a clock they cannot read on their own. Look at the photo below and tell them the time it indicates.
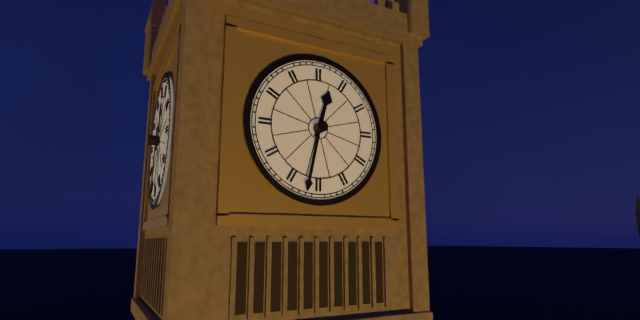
12:32
